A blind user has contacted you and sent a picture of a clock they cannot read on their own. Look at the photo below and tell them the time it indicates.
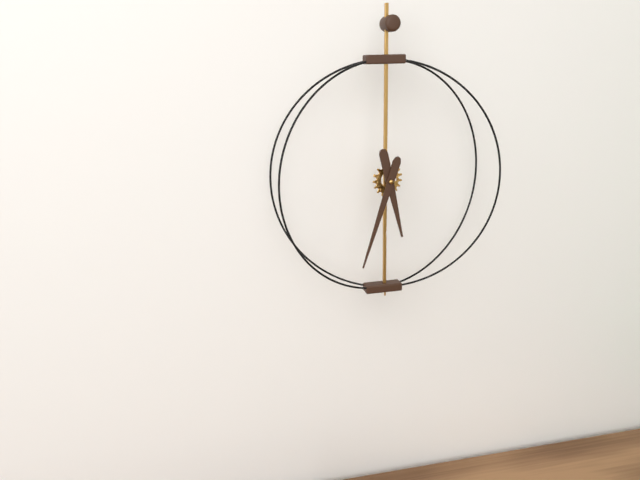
5:33
